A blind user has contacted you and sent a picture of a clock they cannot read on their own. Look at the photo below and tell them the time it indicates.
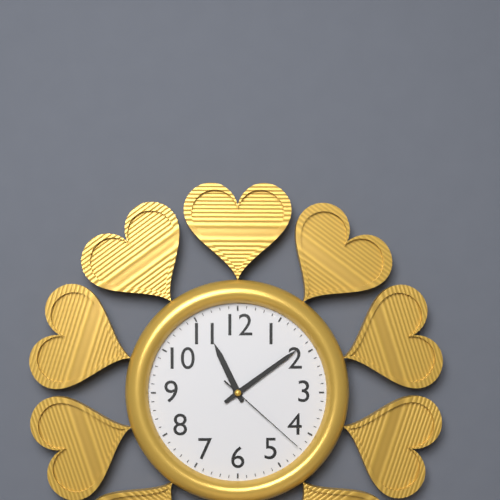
11:09:22
